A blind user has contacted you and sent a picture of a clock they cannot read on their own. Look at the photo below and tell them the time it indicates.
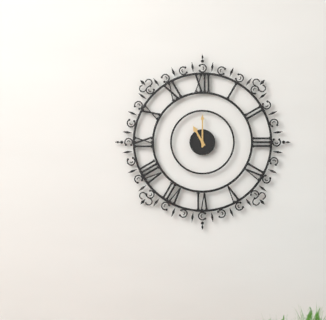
11:00
